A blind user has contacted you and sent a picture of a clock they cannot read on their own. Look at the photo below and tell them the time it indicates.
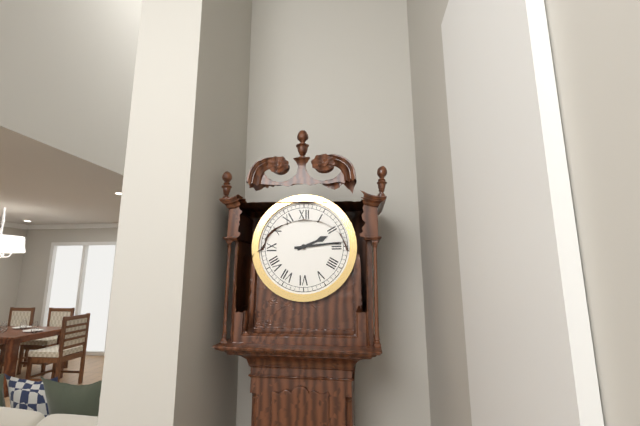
2:14
